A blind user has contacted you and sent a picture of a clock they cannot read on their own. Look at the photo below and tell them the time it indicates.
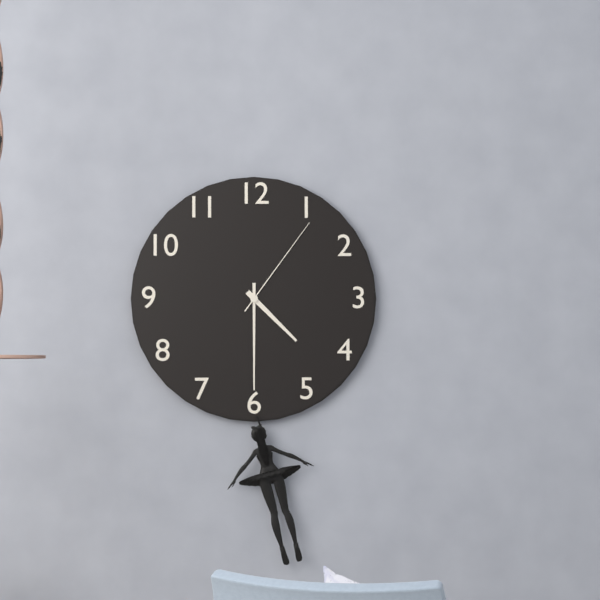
4:30:06
